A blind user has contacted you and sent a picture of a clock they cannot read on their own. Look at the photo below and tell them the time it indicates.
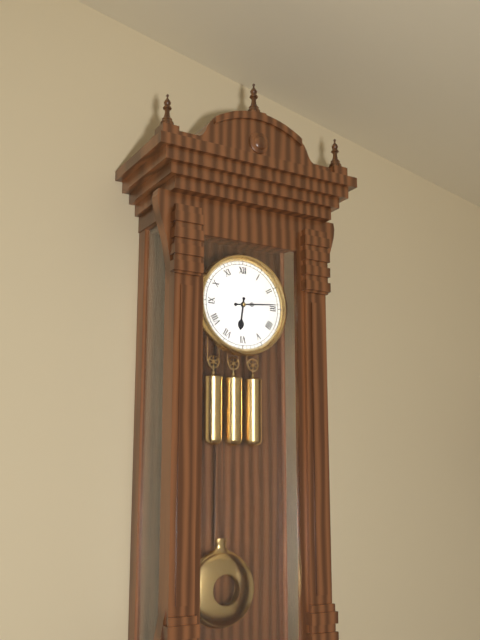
6:14
